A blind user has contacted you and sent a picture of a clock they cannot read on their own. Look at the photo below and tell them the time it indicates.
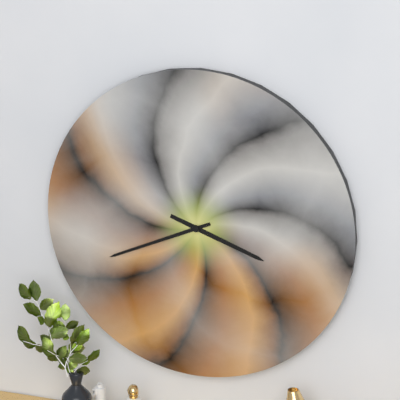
3:41
